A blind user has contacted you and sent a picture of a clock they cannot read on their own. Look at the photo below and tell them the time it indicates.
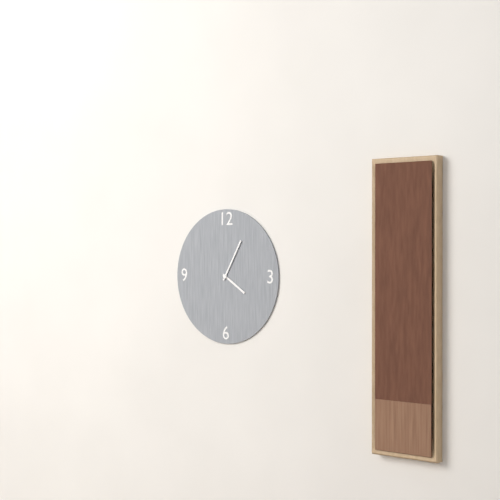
4:05
